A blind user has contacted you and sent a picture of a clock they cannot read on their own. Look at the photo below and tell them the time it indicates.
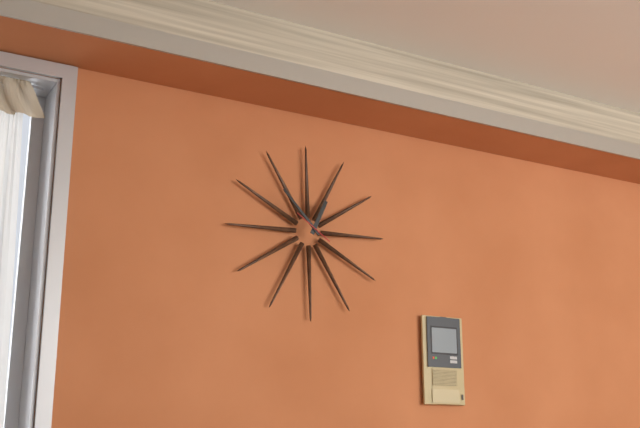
12:53
